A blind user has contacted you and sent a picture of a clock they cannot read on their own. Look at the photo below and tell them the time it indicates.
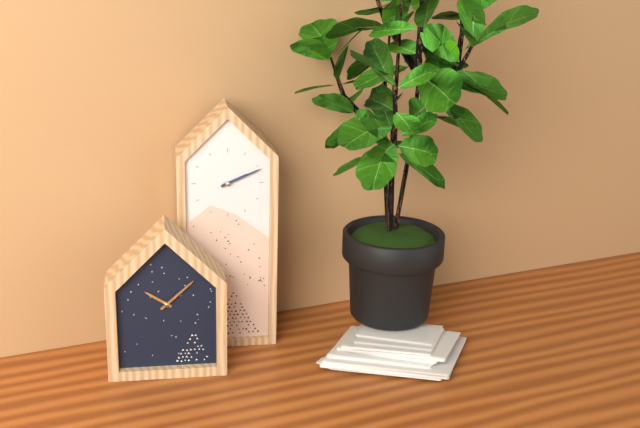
2:11
